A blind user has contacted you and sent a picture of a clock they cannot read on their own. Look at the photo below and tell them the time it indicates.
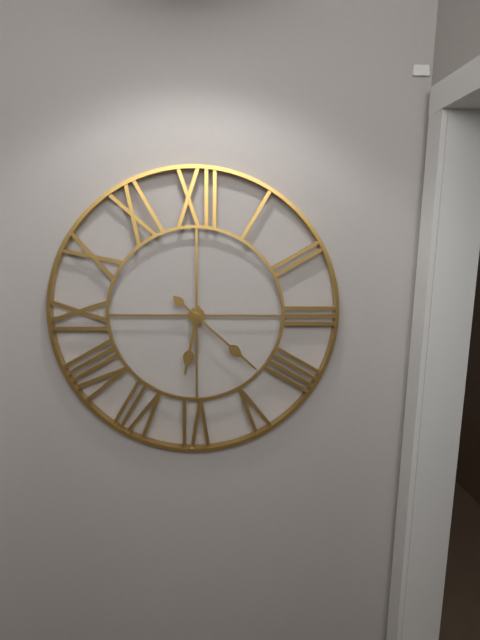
6:22
